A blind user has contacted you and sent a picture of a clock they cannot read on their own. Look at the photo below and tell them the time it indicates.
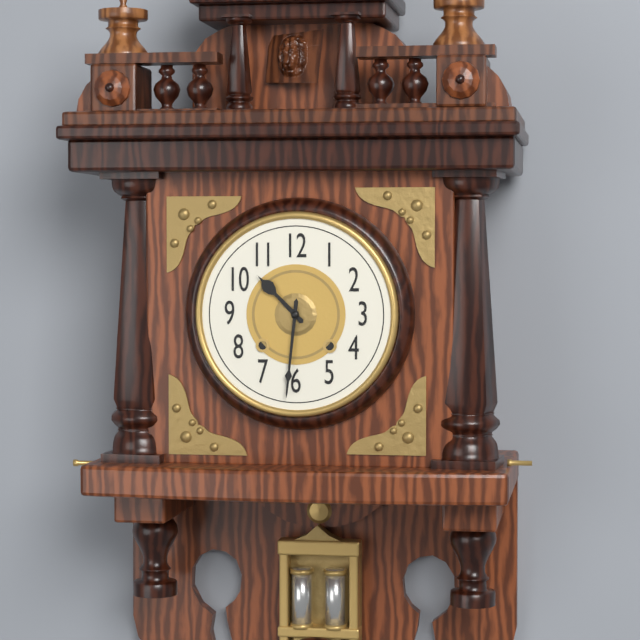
10:31
